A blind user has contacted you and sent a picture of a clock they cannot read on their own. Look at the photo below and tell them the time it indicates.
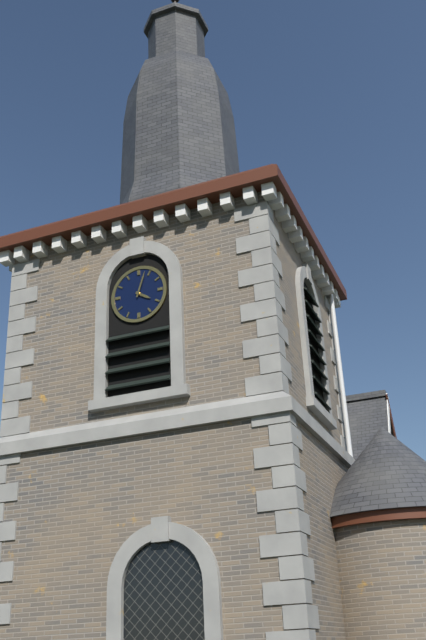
4:03
